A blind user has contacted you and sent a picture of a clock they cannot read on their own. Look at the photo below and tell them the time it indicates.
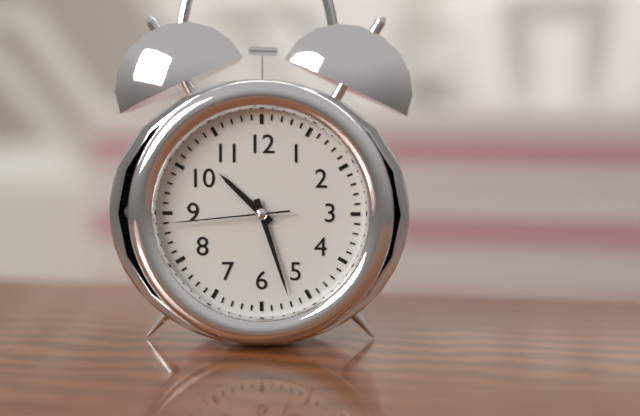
10:27:44
